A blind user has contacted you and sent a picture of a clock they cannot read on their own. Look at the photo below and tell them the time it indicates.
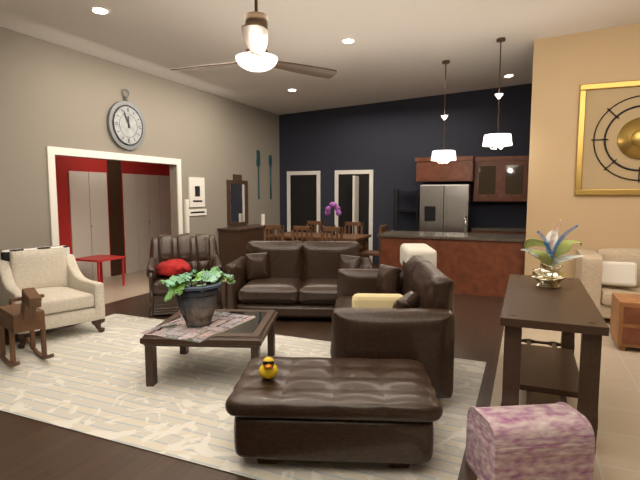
11:56
